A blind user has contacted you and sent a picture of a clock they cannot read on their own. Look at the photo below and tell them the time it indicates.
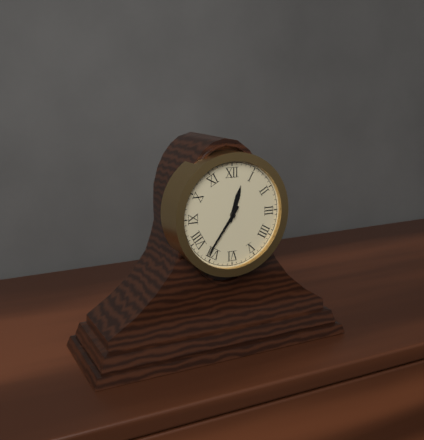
12:36
